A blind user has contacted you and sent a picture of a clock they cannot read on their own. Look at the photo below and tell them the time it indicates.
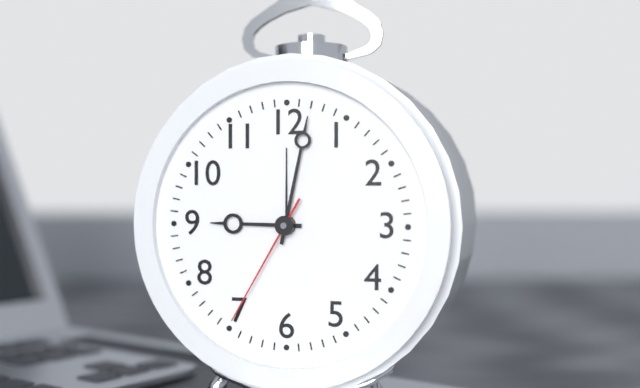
9:02:35
